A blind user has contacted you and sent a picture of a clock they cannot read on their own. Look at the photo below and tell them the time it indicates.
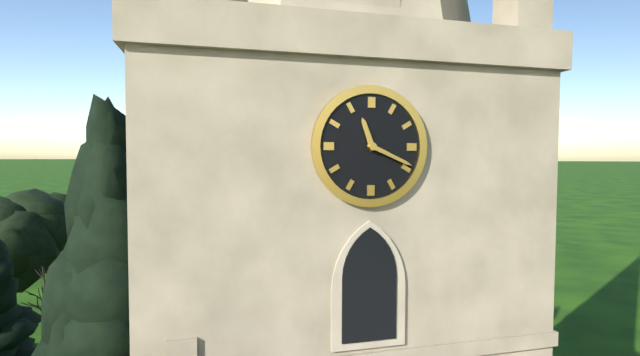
11:19
